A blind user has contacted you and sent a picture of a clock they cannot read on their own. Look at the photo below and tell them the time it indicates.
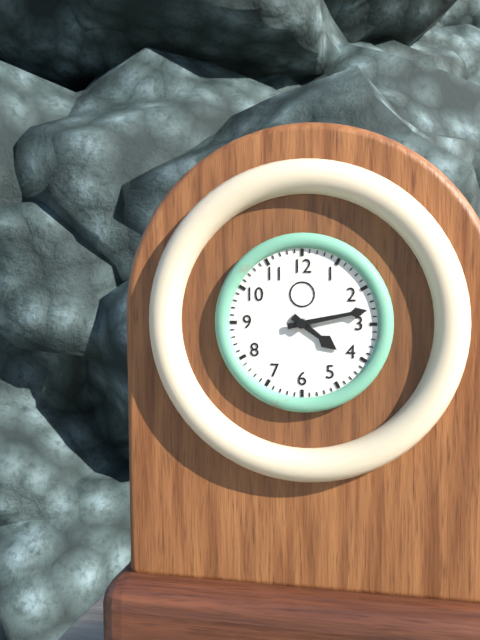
4:13
